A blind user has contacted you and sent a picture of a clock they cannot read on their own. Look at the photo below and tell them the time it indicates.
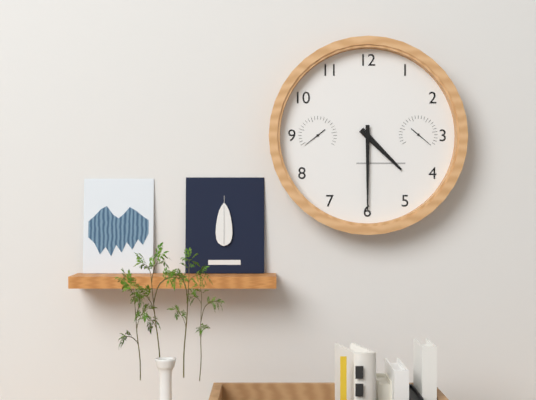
4:30
